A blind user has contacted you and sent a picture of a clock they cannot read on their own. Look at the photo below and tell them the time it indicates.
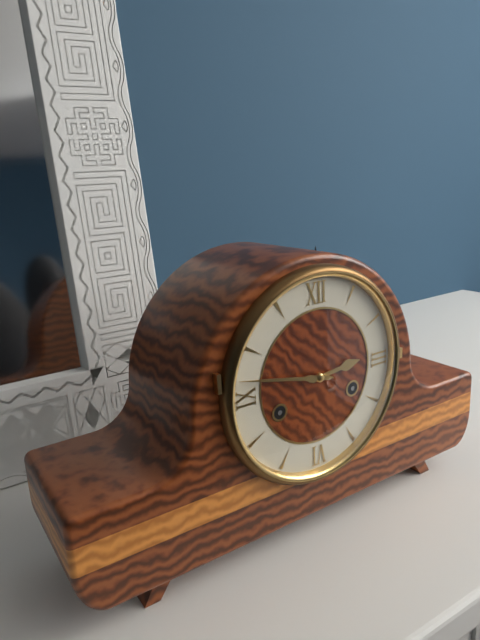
2:47
